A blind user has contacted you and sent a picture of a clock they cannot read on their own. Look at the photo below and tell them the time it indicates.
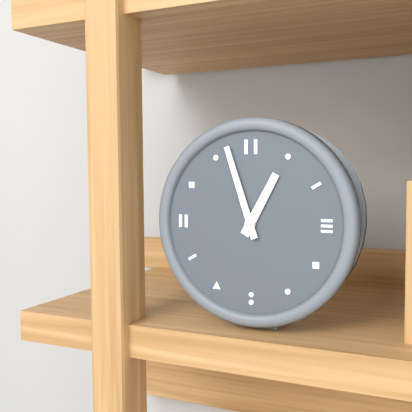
12:57
